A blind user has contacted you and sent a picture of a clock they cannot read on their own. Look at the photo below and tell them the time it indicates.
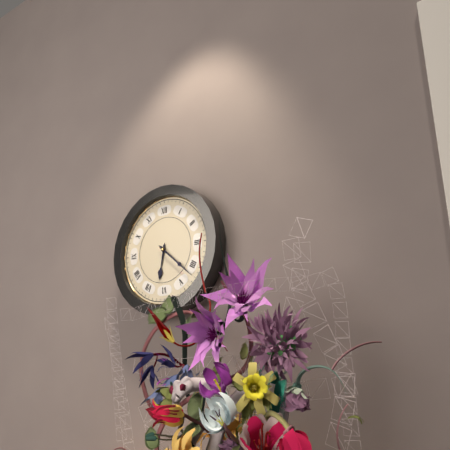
6:22
